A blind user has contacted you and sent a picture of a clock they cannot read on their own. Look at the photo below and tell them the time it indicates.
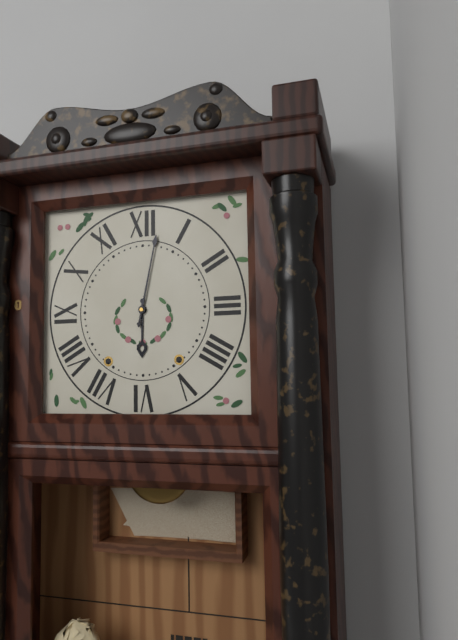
6:02
